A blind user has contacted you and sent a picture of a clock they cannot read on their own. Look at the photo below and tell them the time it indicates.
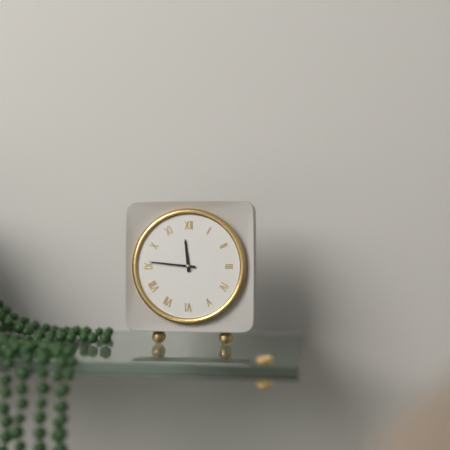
11:46
